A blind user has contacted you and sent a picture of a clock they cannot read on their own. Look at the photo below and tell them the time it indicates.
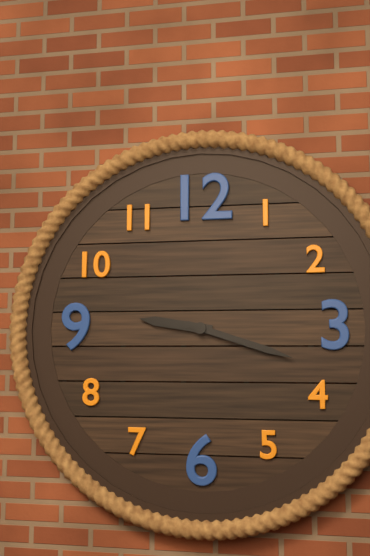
9:18
